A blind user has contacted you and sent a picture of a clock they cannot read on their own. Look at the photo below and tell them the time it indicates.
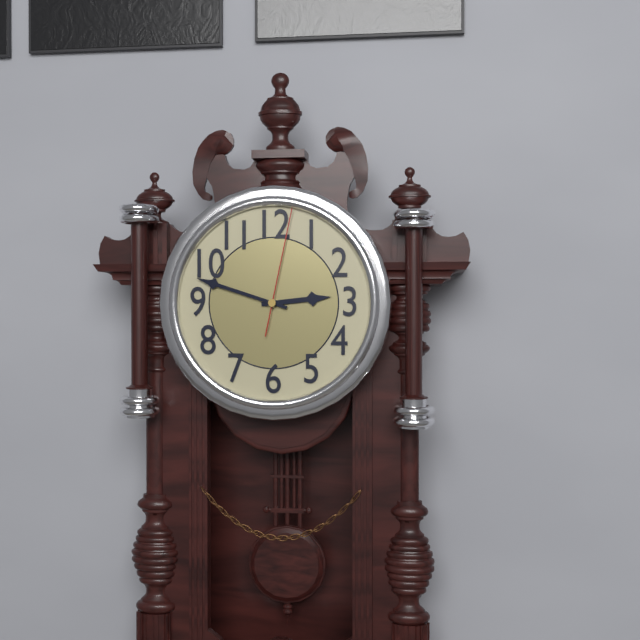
2:48:02
